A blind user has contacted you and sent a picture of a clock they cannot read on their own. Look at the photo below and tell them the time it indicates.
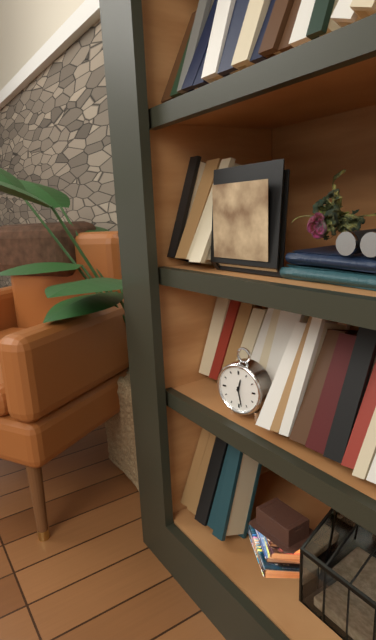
12:28
